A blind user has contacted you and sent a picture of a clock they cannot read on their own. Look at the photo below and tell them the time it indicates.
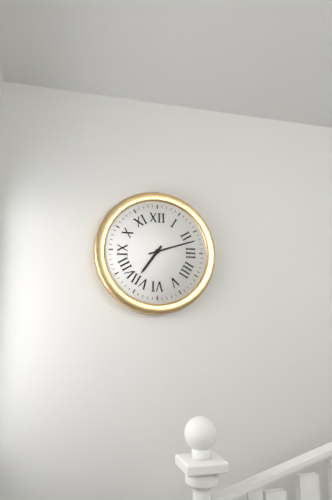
7:12
